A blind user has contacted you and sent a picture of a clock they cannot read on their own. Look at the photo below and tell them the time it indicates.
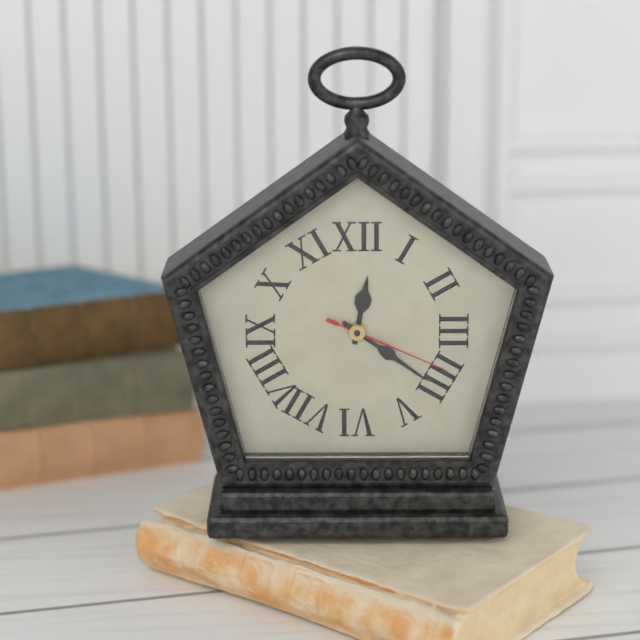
12:21:19
